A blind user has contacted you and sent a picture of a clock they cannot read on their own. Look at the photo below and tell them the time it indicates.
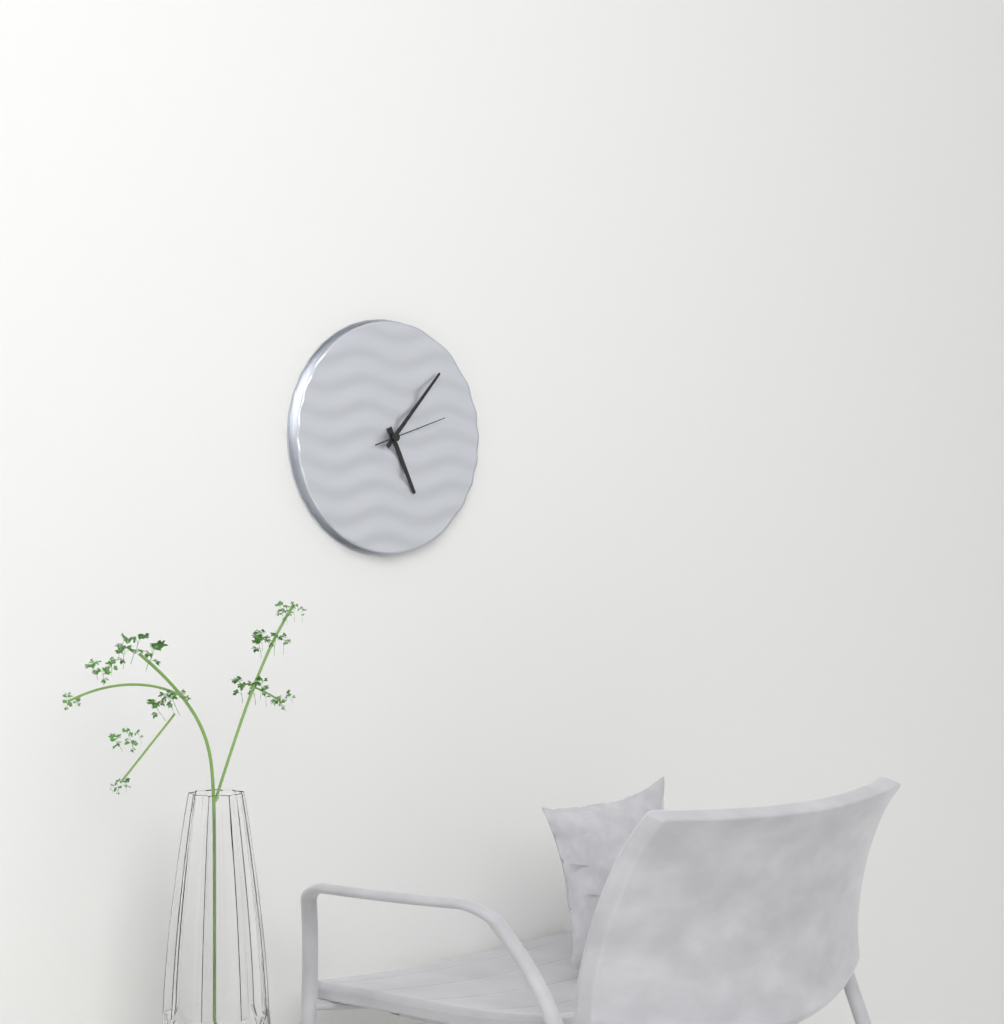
5:07:12
